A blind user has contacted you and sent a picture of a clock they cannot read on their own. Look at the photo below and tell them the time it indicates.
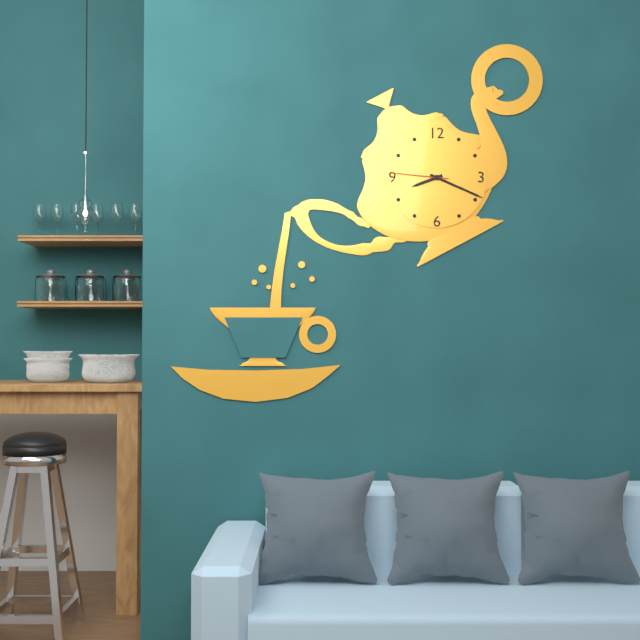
8:19:46
